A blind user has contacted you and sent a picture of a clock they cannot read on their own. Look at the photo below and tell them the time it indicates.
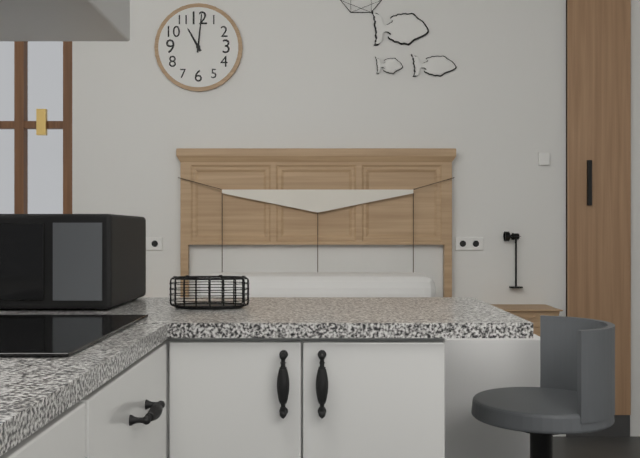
11:01
